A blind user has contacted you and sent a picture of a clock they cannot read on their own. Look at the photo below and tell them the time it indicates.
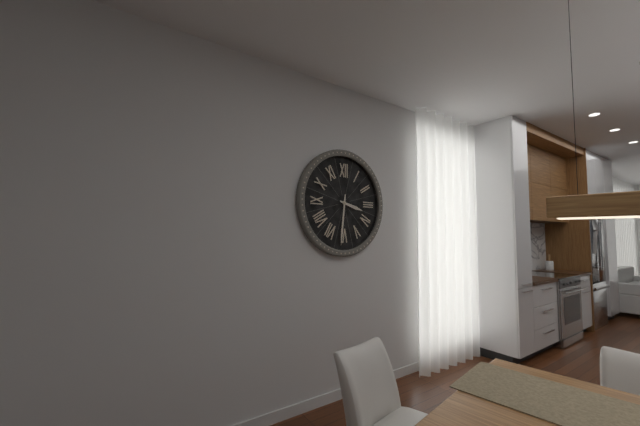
3:31
